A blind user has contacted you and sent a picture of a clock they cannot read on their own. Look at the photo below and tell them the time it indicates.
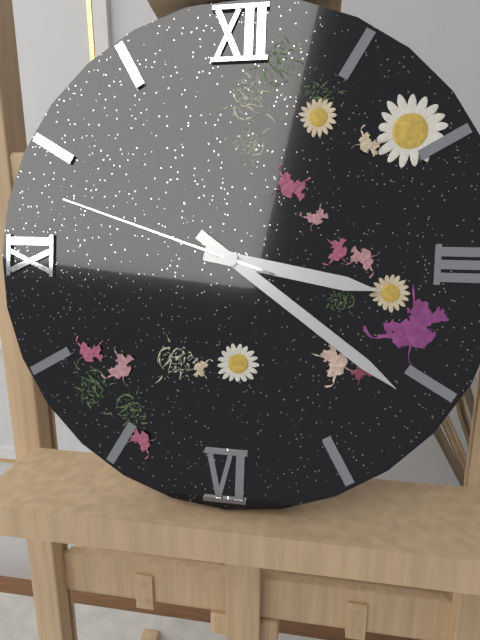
3:21:48
